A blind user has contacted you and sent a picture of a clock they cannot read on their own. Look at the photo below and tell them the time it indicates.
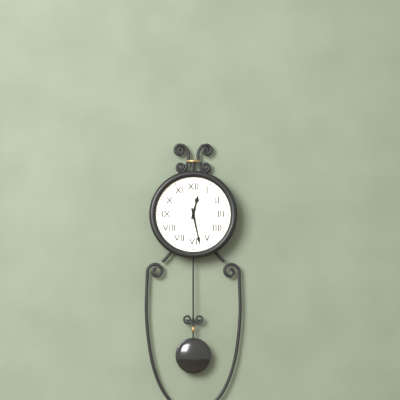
12:28
